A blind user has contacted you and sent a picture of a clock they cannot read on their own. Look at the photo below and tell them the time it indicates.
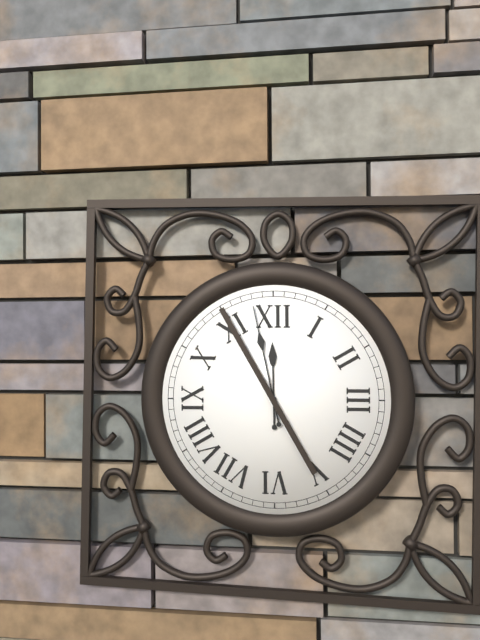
11:58
